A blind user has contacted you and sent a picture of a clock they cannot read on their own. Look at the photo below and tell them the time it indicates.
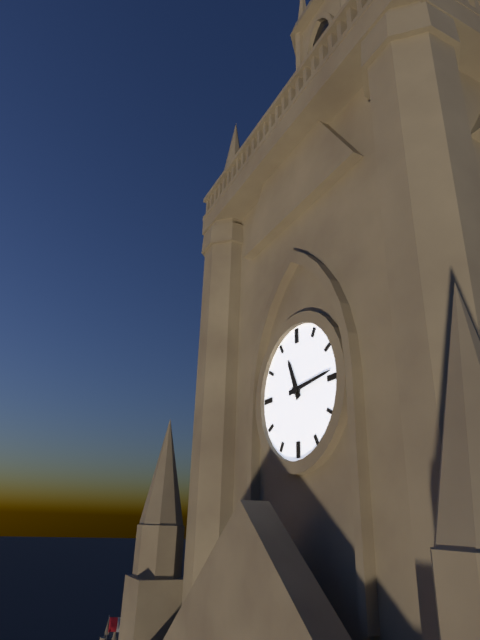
11:14
